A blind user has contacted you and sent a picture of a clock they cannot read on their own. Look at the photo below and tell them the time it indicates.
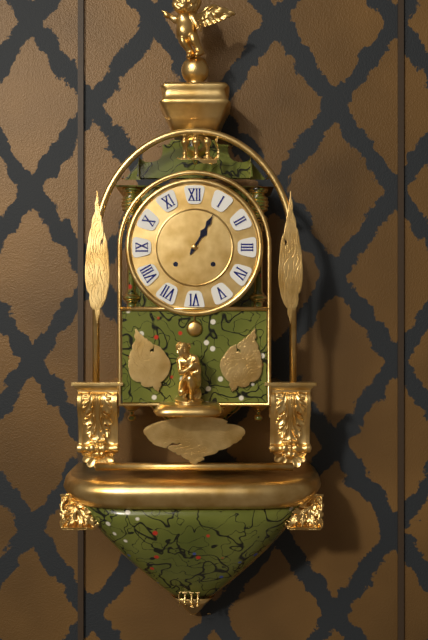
1:05
